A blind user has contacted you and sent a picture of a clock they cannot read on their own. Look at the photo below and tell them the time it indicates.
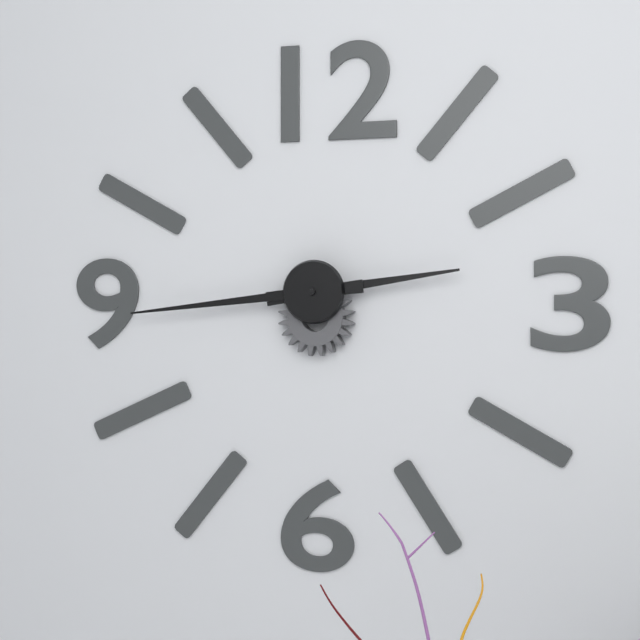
2:44
